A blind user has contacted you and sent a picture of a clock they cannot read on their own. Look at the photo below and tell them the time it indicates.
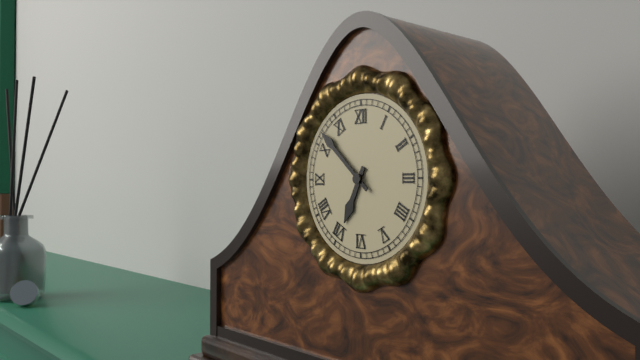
6:52
